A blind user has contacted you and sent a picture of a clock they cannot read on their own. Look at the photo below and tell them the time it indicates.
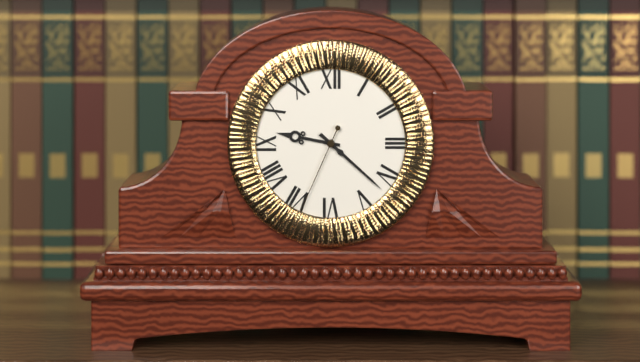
9:22:34
